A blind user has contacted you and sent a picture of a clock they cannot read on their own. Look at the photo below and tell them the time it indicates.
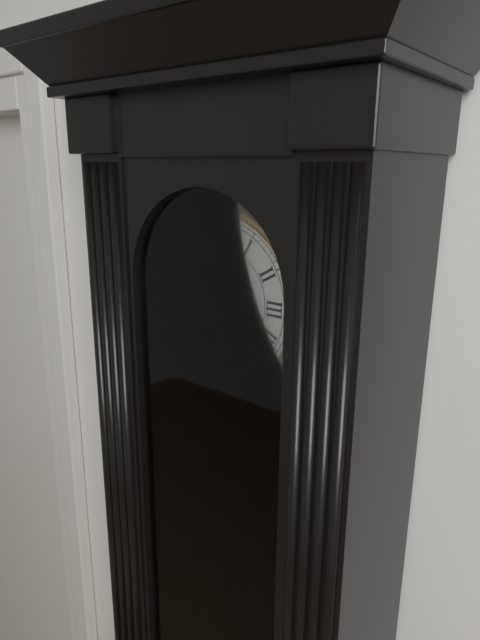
10:24
